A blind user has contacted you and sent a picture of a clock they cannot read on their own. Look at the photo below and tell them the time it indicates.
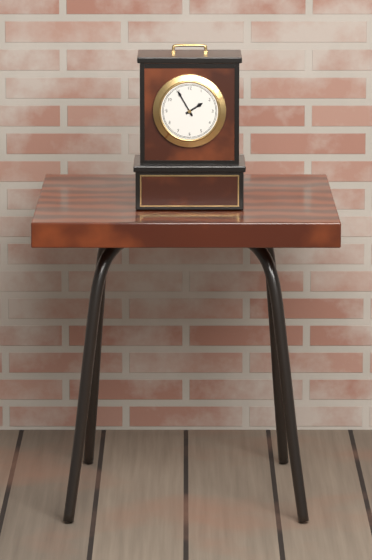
1:55
